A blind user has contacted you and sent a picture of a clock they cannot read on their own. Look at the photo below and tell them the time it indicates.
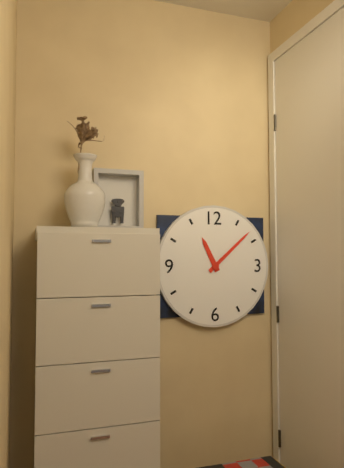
11:08
